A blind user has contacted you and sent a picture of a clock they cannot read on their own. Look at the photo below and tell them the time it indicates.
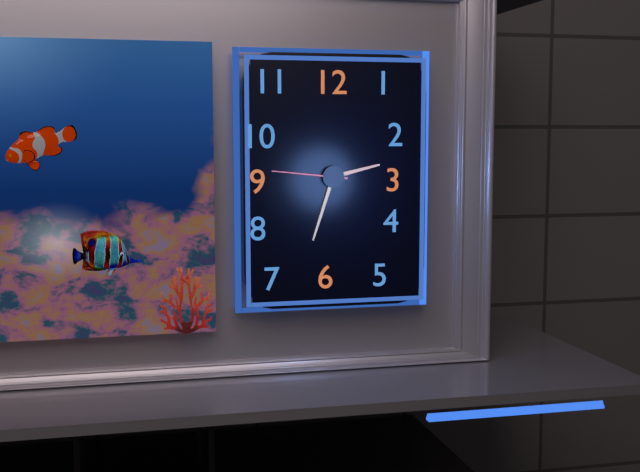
2:33:46
